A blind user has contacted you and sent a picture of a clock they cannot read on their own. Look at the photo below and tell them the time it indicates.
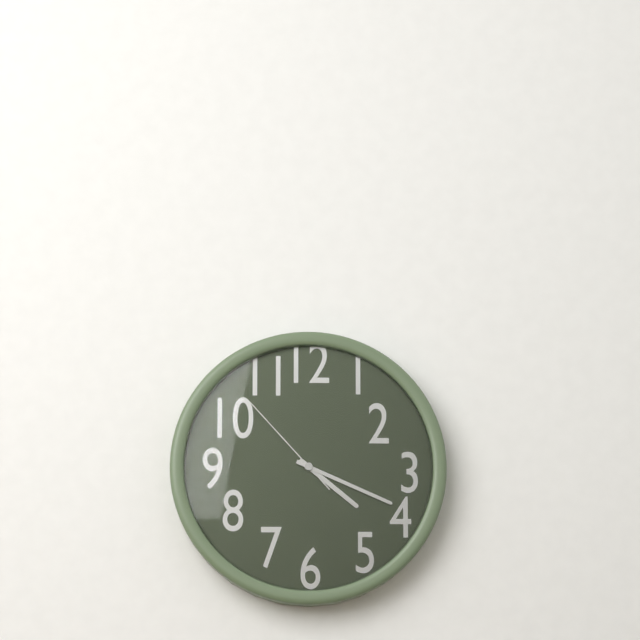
4:19:53
